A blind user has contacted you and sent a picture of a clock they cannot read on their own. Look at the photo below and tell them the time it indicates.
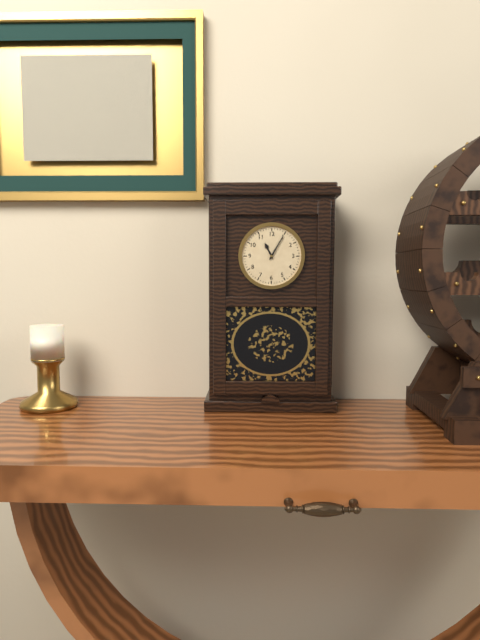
11:05
